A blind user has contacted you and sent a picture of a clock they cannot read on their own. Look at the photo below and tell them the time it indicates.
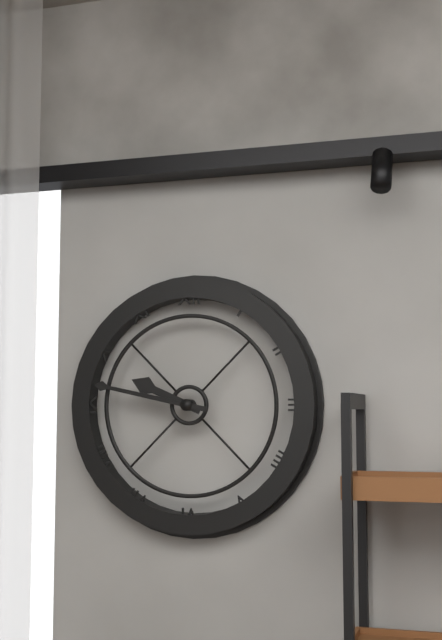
9:47
